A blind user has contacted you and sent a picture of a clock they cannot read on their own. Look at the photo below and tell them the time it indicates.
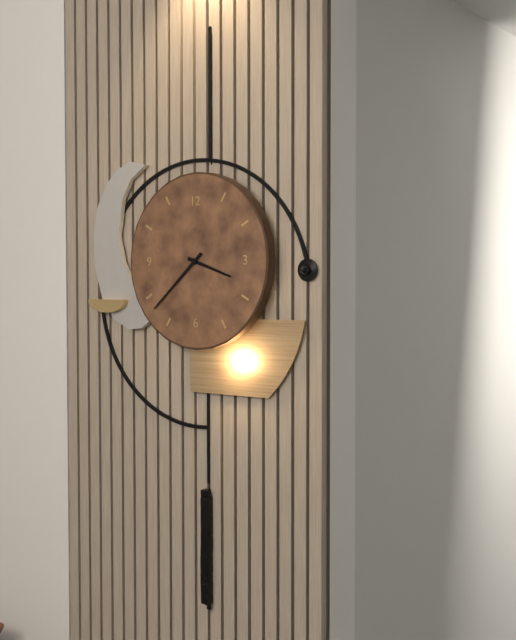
3:38
